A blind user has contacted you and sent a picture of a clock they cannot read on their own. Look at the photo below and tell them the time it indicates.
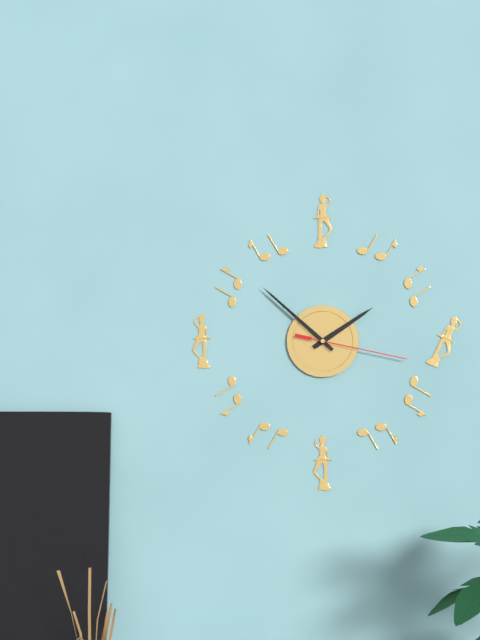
1:52:17
